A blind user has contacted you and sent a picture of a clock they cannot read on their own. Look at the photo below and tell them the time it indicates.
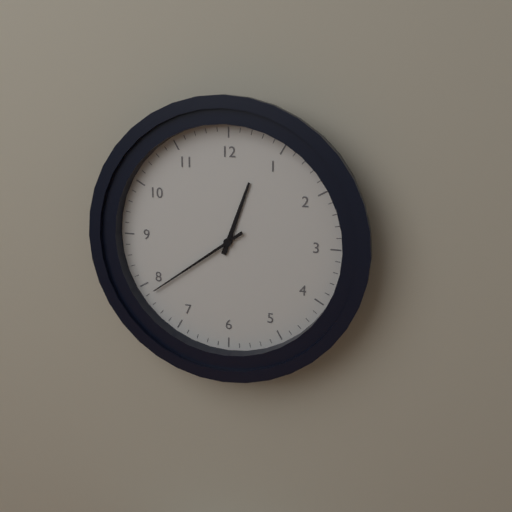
12:39
